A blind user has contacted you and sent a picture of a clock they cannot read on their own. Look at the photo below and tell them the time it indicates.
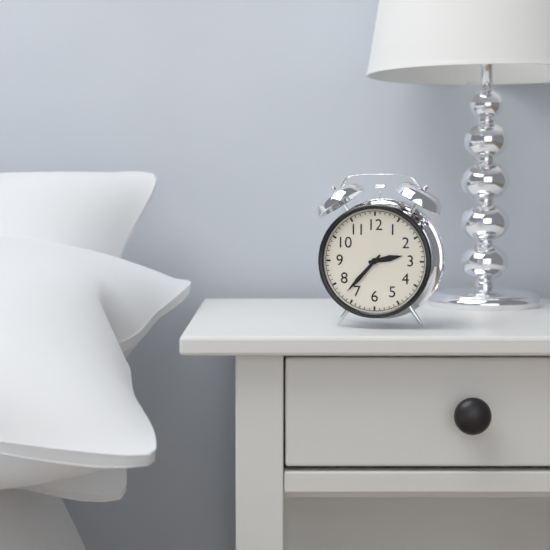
2:37
